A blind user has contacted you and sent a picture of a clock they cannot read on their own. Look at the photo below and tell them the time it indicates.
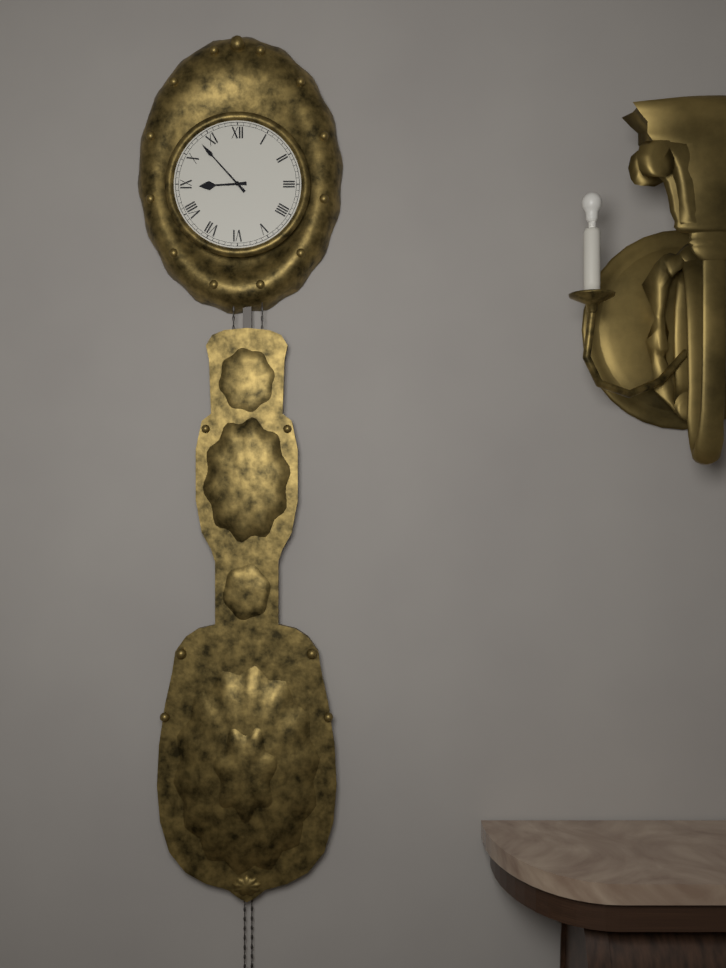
8:53
